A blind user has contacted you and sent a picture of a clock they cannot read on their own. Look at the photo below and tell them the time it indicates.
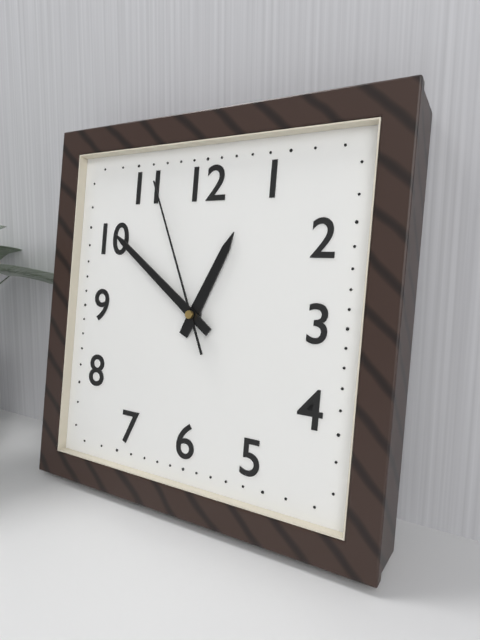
12:51:56
